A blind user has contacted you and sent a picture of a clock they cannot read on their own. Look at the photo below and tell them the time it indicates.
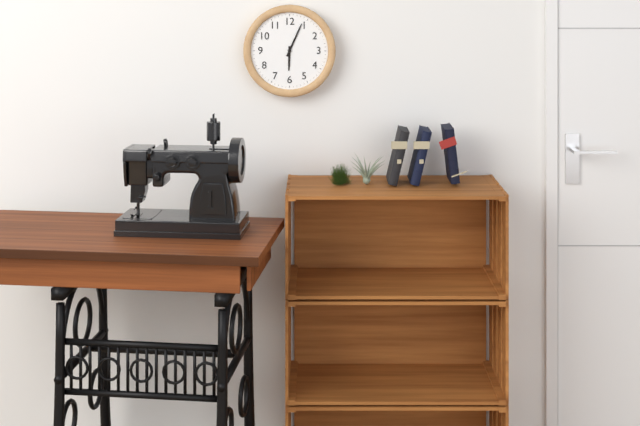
6:04
